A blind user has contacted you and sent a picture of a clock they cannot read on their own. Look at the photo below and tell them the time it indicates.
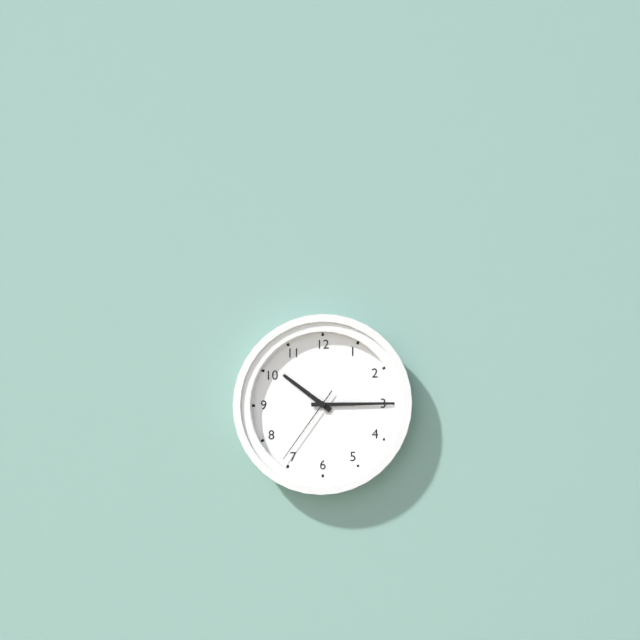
10:15:36
